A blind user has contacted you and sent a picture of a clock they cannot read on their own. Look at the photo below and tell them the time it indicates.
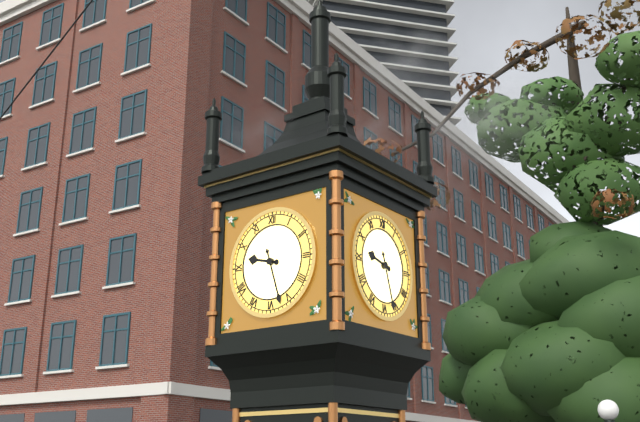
9:27
